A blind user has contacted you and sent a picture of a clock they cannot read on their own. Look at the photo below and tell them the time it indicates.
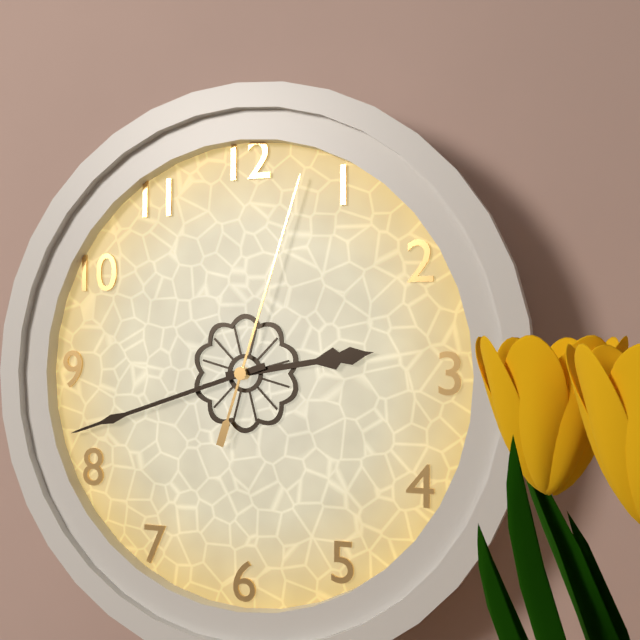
2:42:03
